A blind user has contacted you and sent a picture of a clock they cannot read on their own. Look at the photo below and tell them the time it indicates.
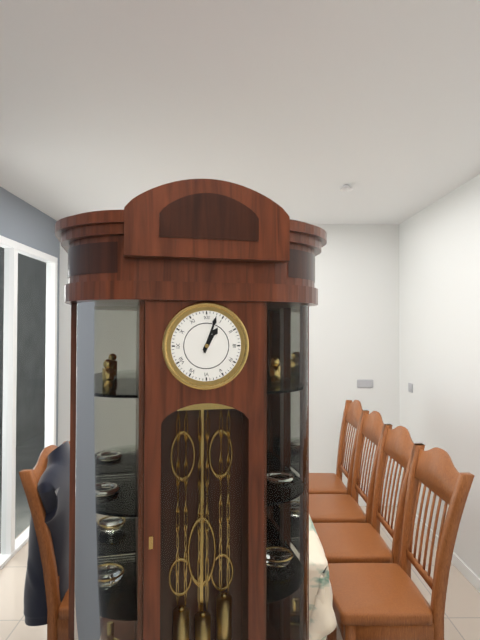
1:03
